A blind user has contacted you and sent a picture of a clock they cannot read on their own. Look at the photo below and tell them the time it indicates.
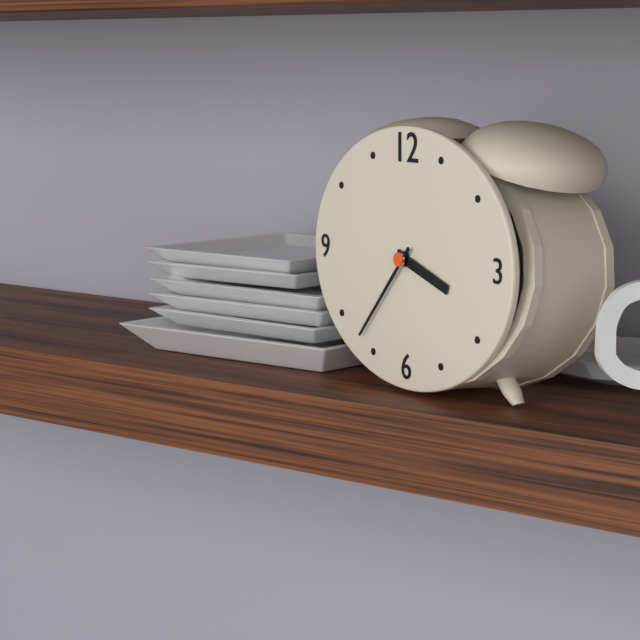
3:37
